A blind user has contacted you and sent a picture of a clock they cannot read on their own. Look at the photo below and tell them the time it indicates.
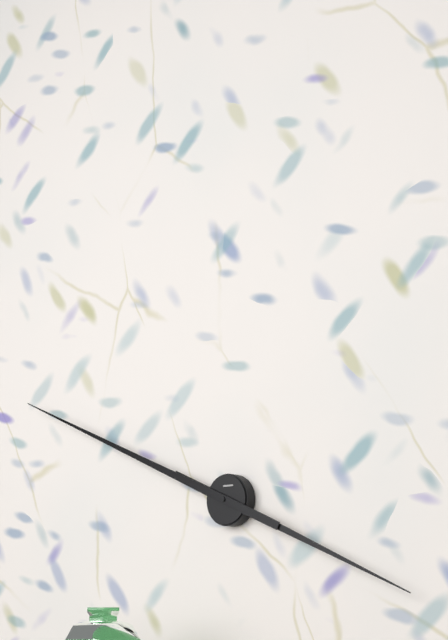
3:49
